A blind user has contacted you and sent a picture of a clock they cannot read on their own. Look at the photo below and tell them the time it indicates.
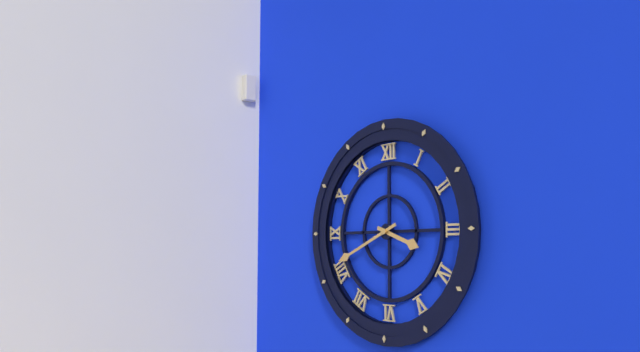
3:41
